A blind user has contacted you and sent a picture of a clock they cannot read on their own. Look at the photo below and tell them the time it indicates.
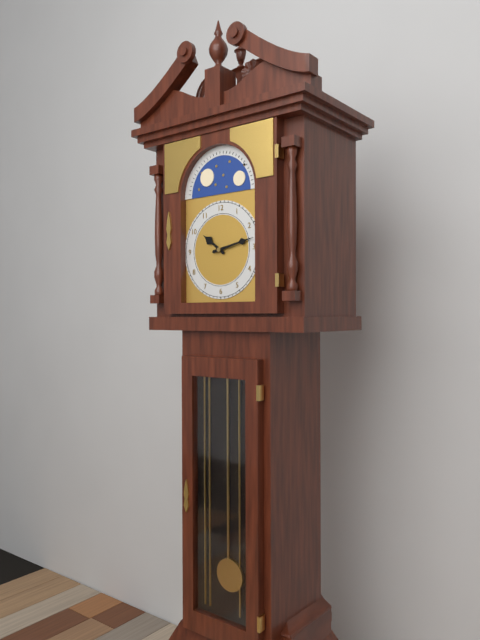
10:13
